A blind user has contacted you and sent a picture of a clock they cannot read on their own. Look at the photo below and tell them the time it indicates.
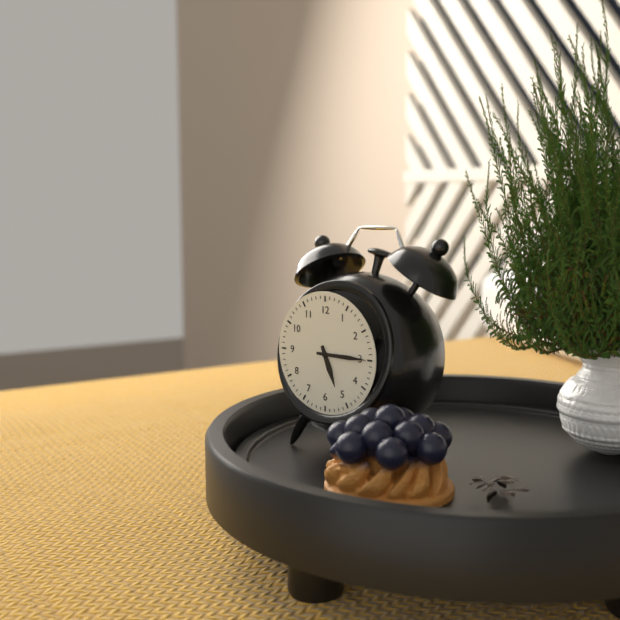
5:15
